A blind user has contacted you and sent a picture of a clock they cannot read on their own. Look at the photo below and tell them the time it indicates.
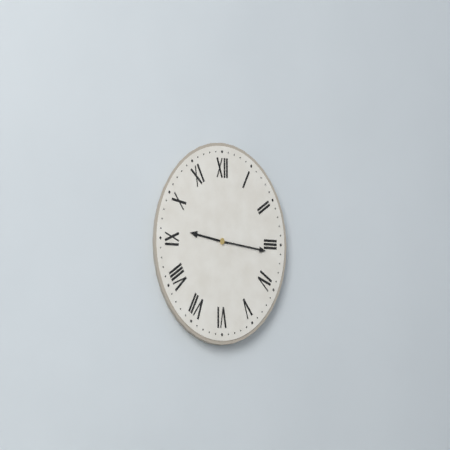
9:16
